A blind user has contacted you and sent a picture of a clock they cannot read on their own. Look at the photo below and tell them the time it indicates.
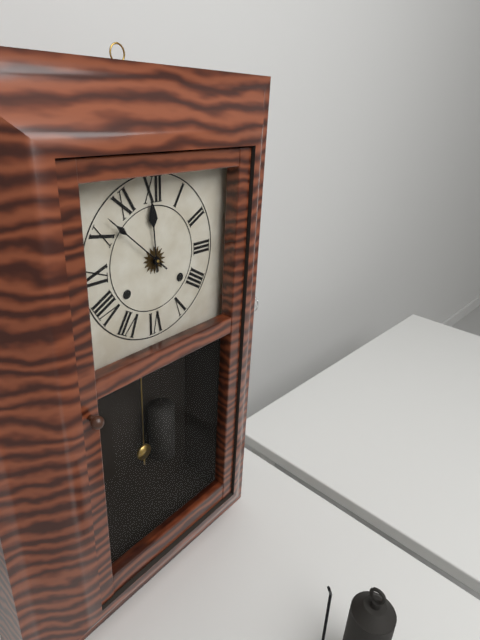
11:52
